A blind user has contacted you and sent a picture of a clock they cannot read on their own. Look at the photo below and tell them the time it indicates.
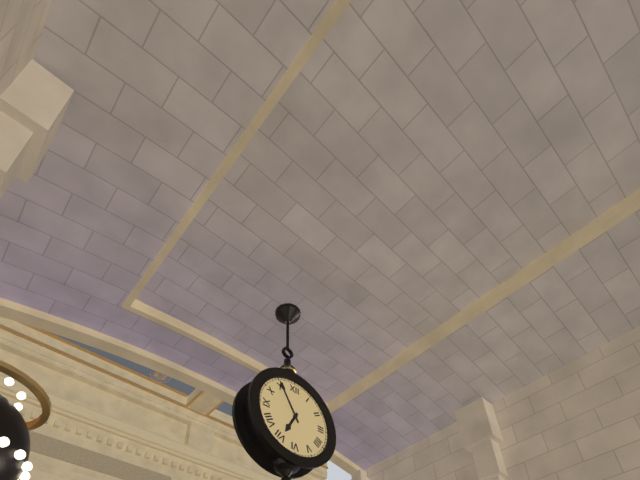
6:55
